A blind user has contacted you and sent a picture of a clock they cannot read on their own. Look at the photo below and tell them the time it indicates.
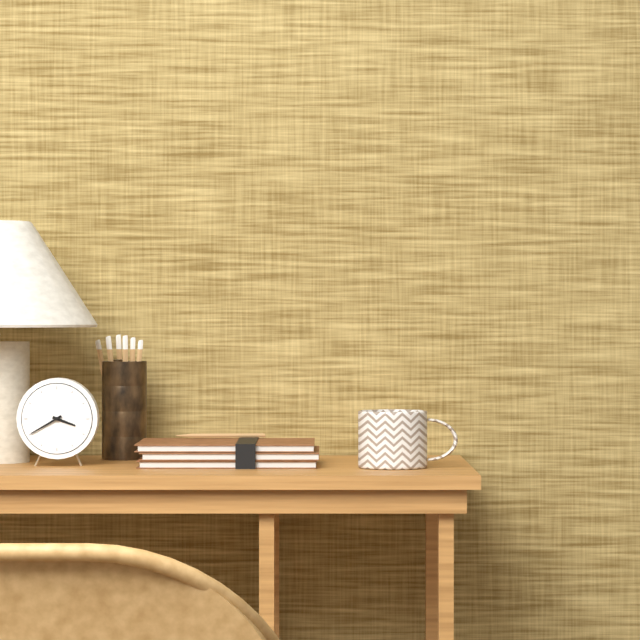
3:40
